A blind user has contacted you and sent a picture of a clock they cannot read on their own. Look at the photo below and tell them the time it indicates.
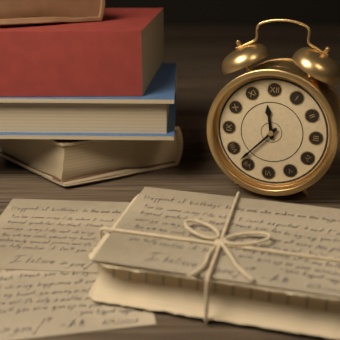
11:37
